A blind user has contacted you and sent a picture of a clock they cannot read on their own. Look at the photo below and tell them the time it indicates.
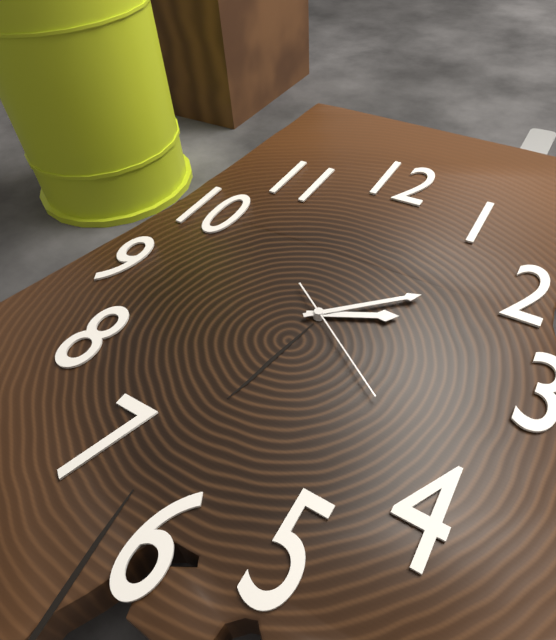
2:08:21
